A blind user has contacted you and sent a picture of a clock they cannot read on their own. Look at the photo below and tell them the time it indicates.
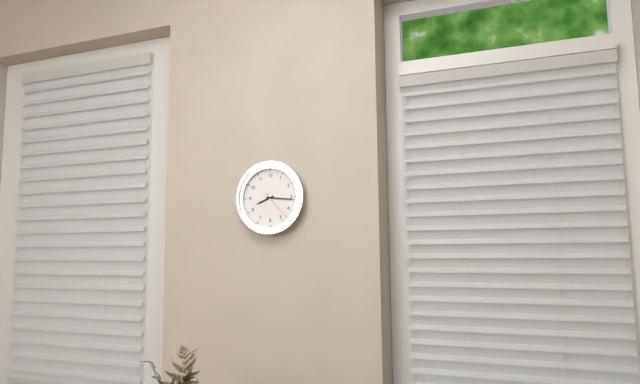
8:16
